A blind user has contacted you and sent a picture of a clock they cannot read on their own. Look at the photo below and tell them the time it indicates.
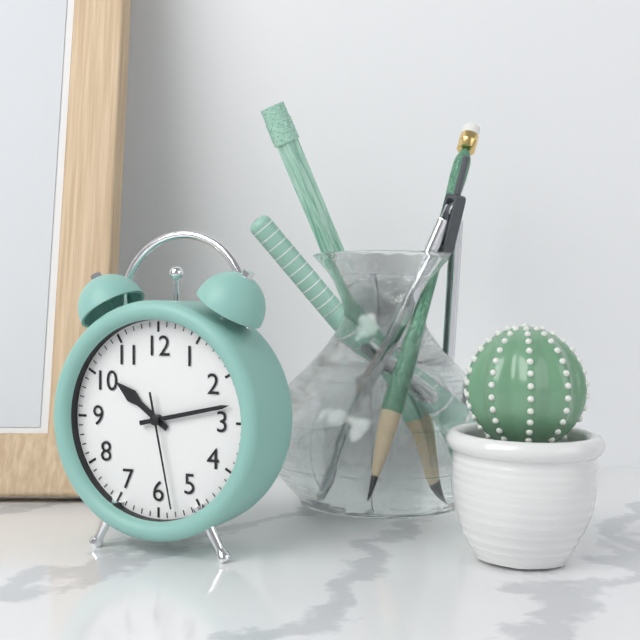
10:13:28
